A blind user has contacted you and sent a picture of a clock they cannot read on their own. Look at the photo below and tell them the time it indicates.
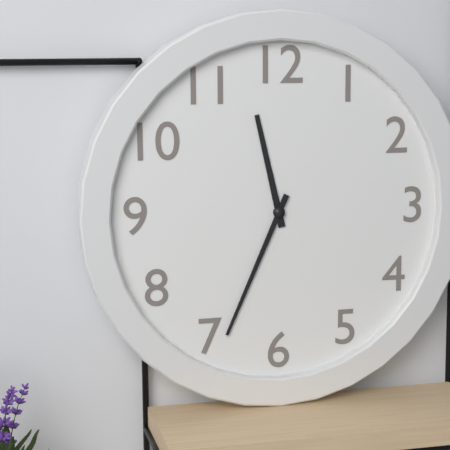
11:34
